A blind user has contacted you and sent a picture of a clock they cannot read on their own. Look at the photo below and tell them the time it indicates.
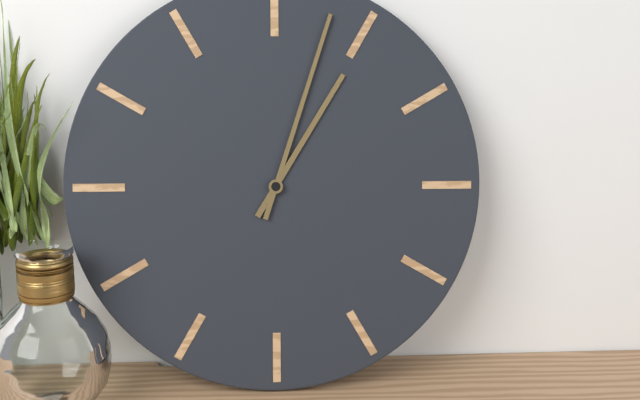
1:03
